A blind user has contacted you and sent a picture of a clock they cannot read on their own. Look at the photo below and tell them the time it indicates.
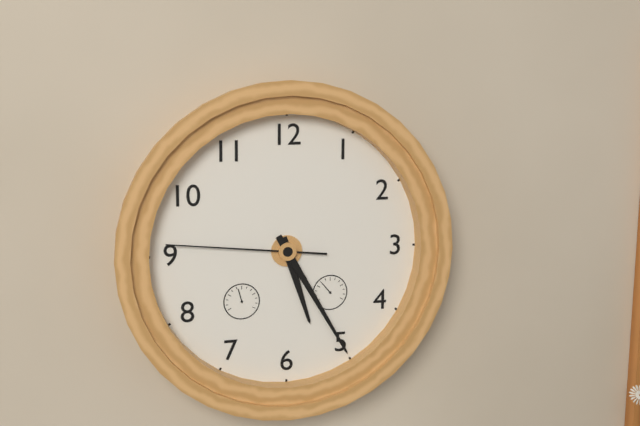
5:25:46
